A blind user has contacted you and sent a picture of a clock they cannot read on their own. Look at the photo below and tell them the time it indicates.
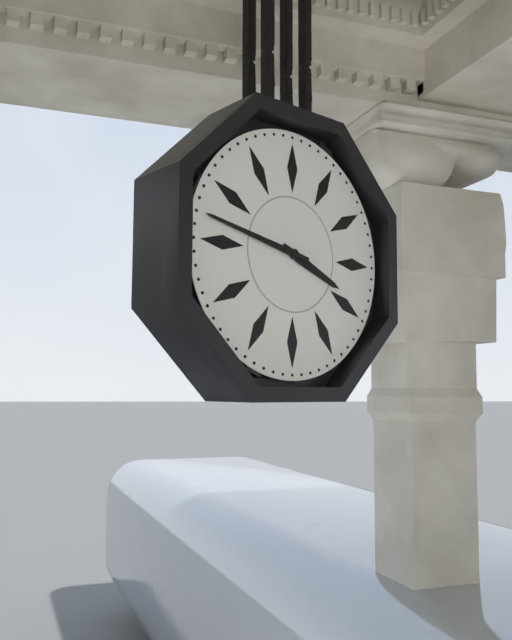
3:47
